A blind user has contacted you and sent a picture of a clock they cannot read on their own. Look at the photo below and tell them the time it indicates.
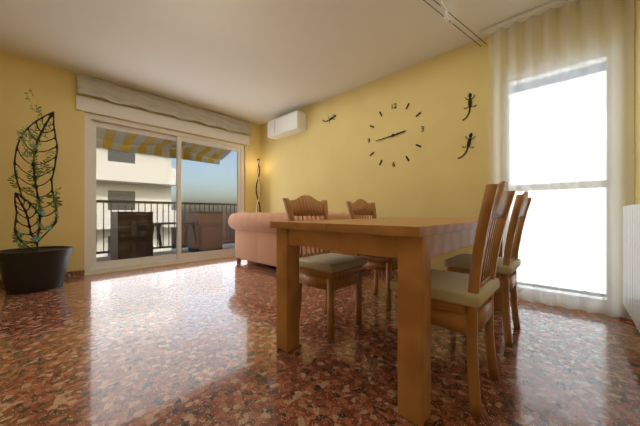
2:44
